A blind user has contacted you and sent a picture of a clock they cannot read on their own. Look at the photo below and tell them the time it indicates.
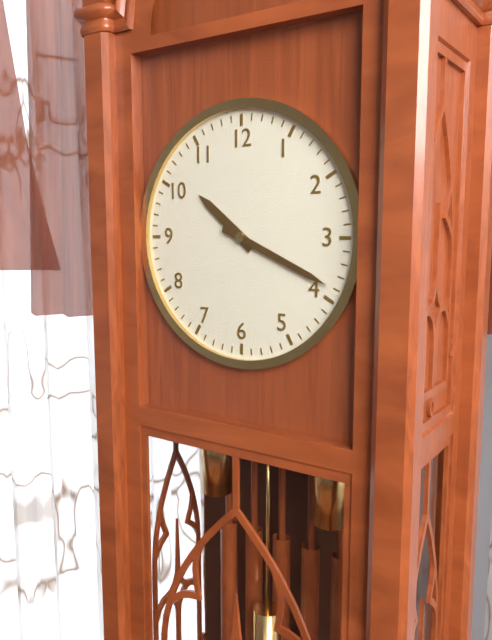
10:19
